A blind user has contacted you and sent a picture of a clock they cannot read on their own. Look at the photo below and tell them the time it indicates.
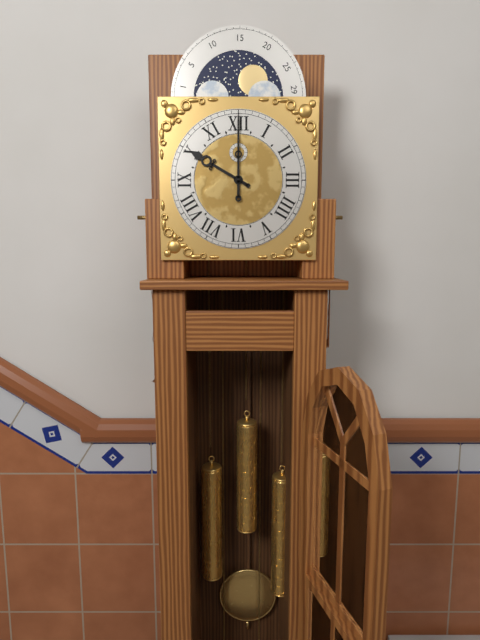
10:00
